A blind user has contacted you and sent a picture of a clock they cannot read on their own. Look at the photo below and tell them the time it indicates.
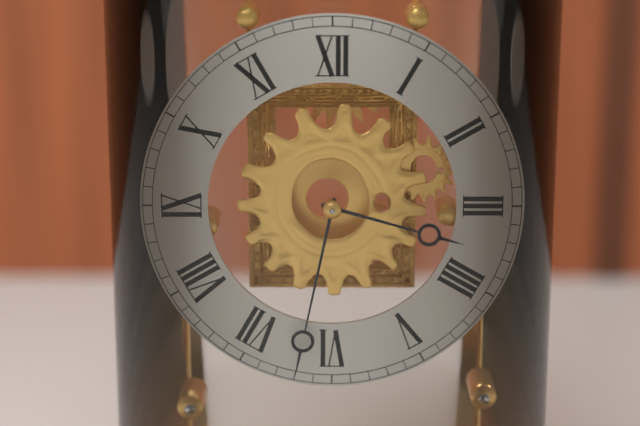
3:32
